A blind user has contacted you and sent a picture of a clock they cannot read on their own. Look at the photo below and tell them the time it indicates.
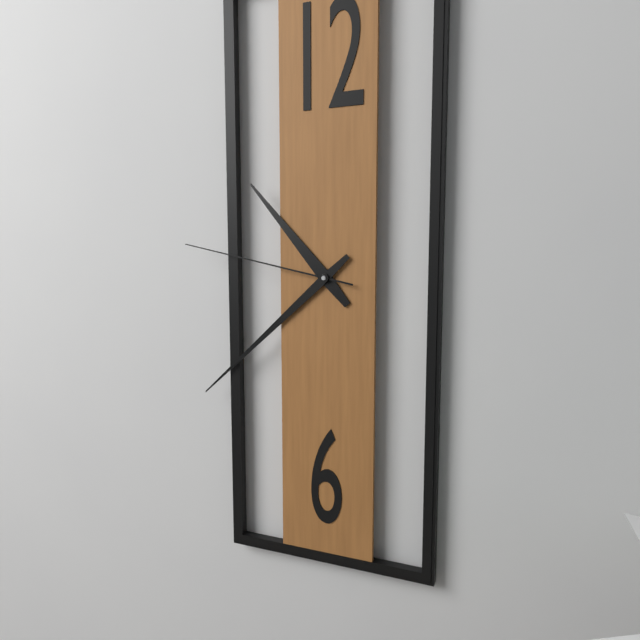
10:38:47
